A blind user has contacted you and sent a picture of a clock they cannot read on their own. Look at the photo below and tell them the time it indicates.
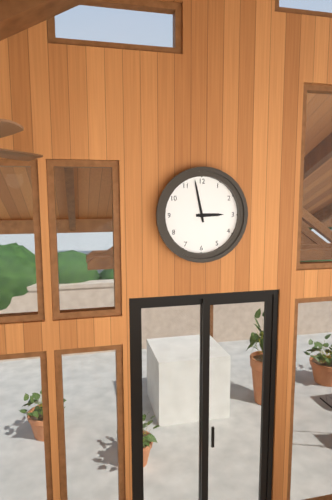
2:58
